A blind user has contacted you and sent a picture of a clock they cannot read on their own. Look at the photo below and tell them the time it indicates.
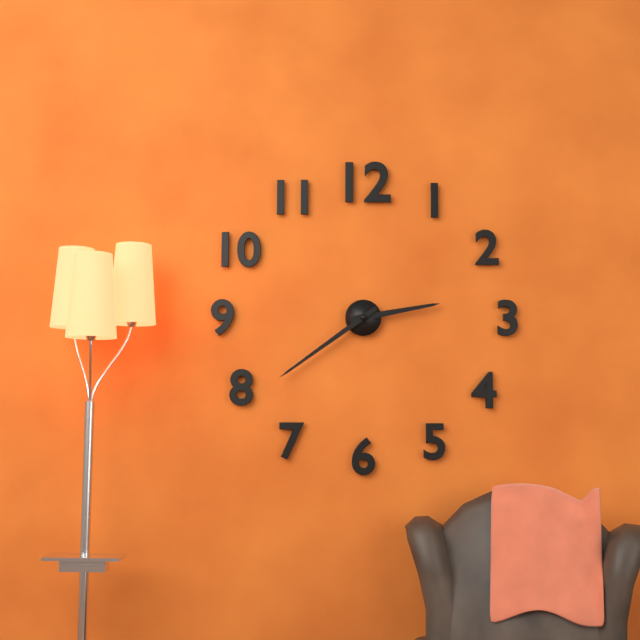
2:39
